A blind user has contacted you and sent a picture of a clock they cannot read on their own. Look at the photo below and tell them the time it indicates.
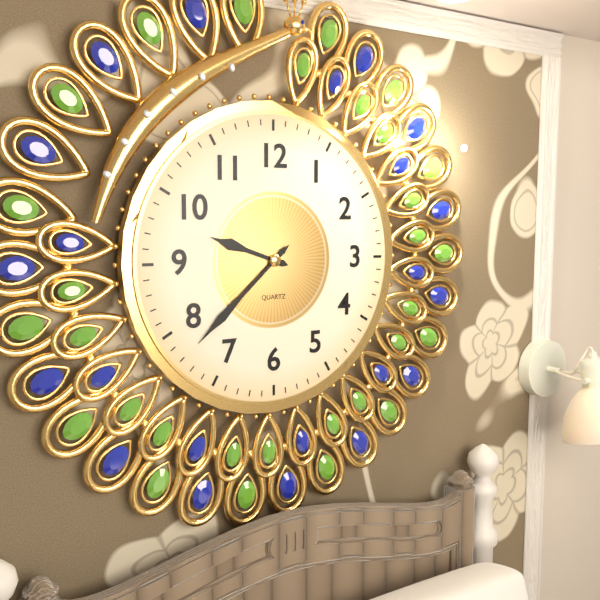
9:38
